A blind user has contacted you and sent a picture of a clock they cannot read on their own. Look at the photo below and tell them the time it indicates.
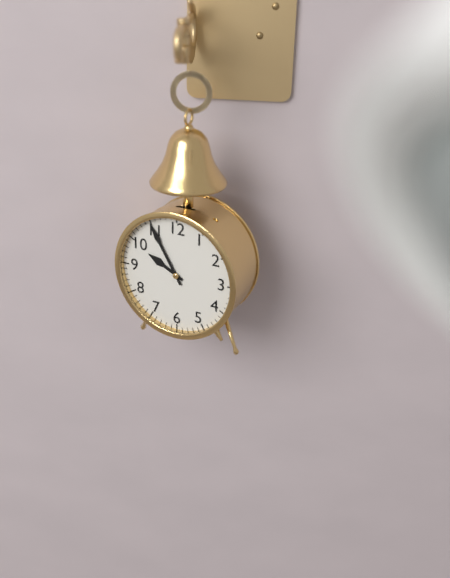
9:55
